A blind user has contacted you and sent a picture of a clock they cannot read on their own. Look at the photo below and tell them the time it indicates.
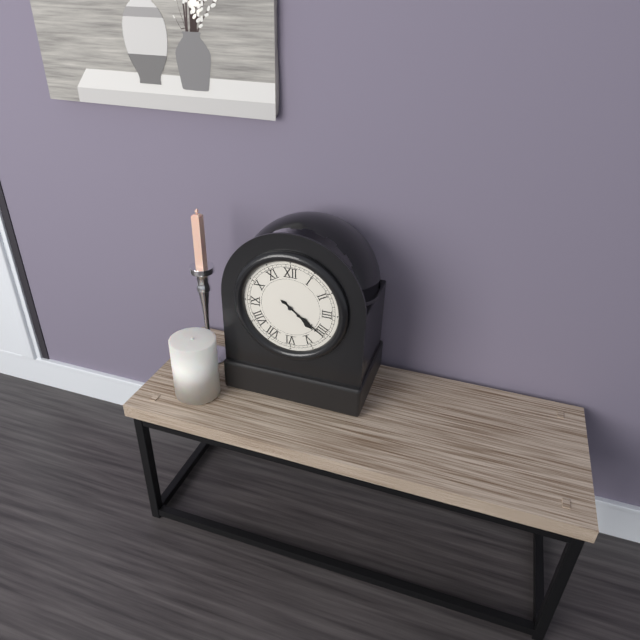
4:21
